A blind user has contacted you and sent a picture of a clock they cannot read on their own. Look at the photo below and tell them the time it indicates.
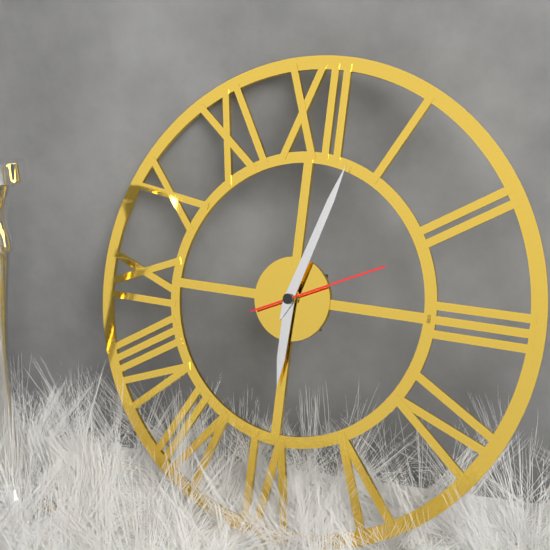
6:03:11
